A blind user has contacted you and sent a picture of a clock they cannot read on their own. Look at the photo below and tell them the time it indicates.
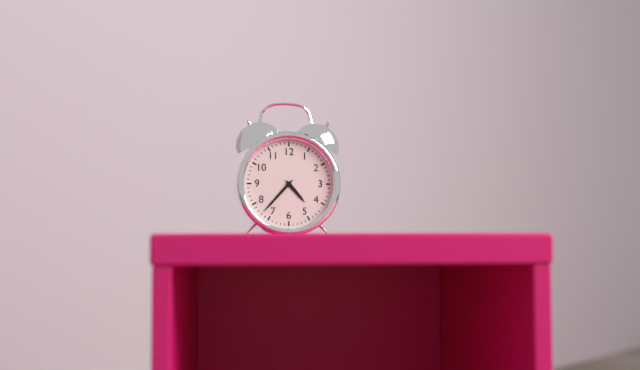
4:37
